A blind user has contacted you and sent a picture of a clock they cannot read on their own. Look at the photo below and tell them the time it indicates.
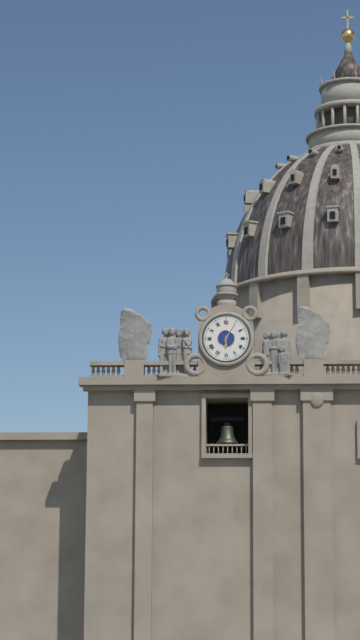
6:05
